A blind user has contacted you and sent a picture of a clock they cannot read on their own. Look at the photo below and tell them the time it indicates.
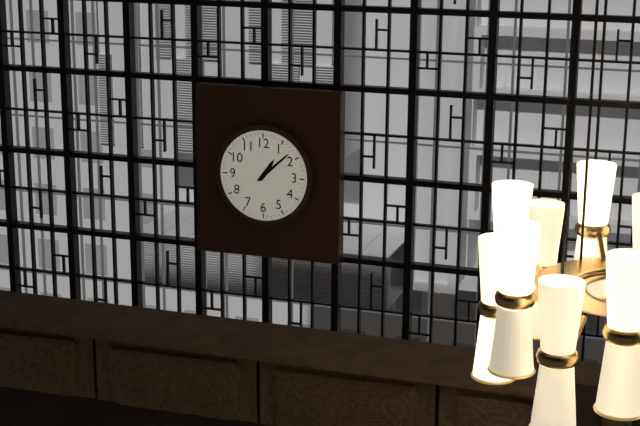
1:08
